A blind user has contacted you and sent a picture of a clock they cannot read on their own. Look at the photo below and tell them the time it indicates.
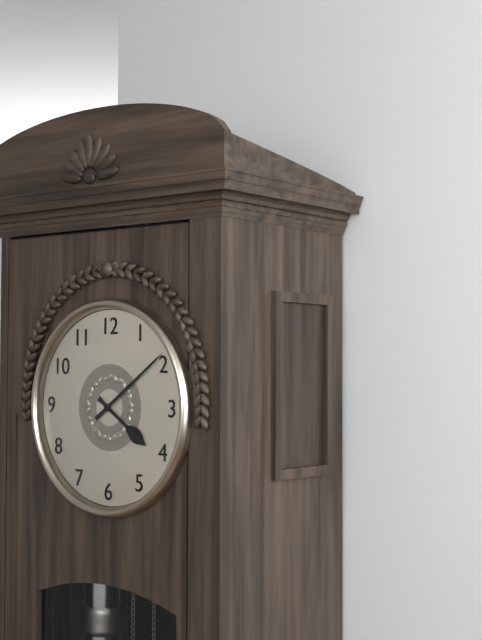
4:09
